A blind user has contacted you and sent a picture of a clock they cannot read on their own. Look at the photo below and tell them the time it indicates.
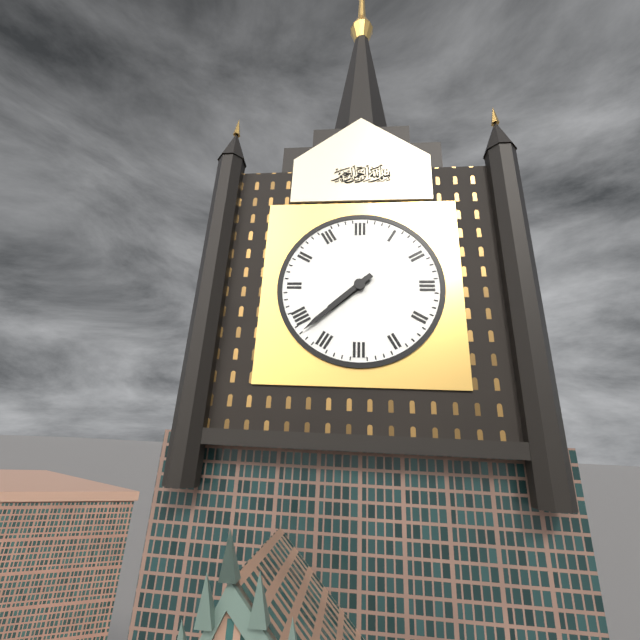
7:38
